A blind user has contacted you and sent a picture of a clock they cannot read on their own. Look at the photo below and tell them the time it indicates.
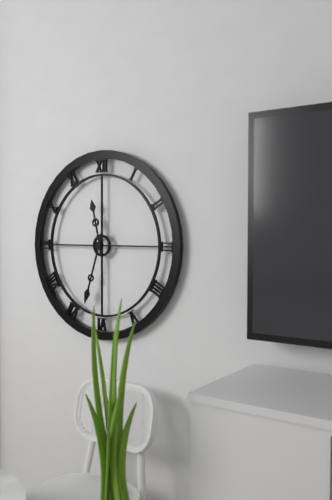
11:33
